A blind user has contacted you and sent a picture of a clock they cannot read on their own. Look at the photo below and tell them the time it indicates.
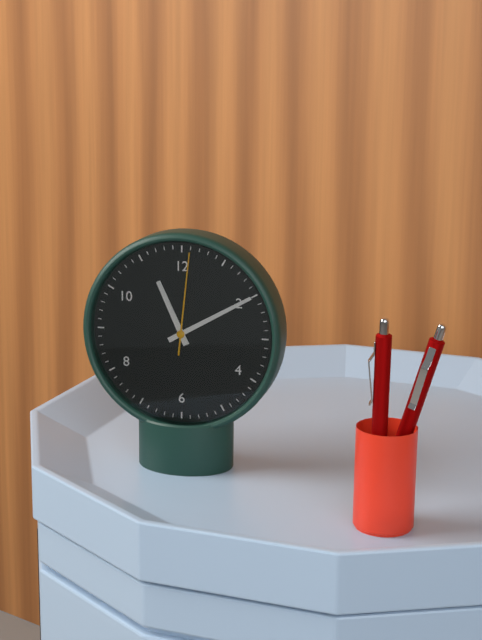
11:10:01
